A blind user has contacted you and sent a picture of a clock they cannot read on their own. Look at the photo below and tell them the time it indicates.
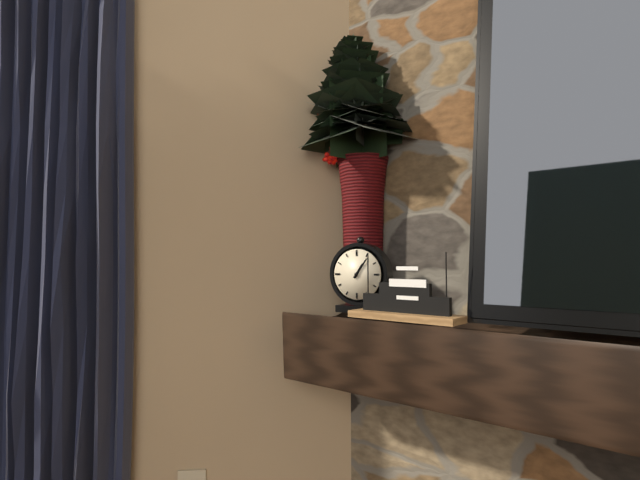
1:06
